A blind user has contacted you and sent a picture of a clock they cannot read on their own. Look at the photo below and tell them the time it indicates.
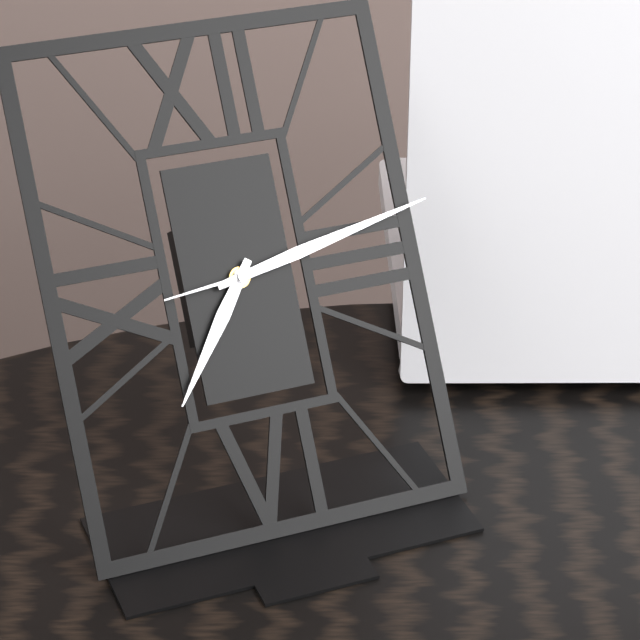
7:13:44
